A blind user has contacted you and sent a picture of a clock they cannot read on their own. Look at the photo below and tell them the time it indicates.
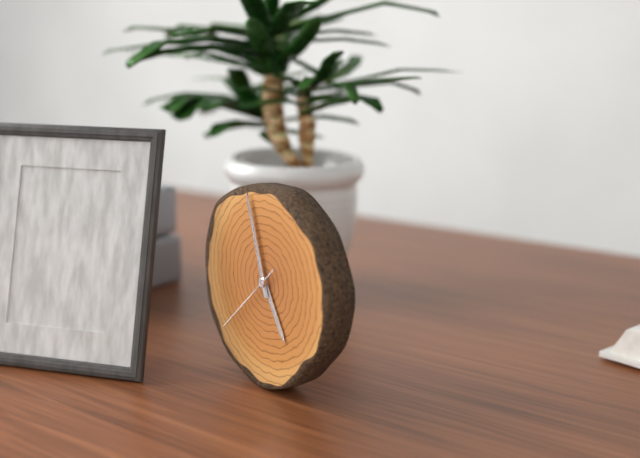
4:57:38
